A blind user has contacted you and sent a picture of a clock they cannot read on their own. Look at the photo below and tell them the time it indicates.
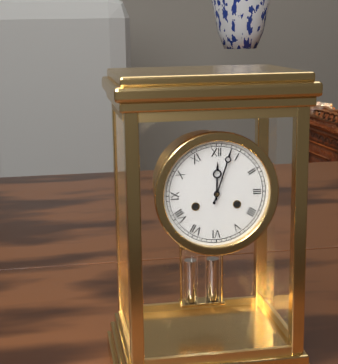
12:03
